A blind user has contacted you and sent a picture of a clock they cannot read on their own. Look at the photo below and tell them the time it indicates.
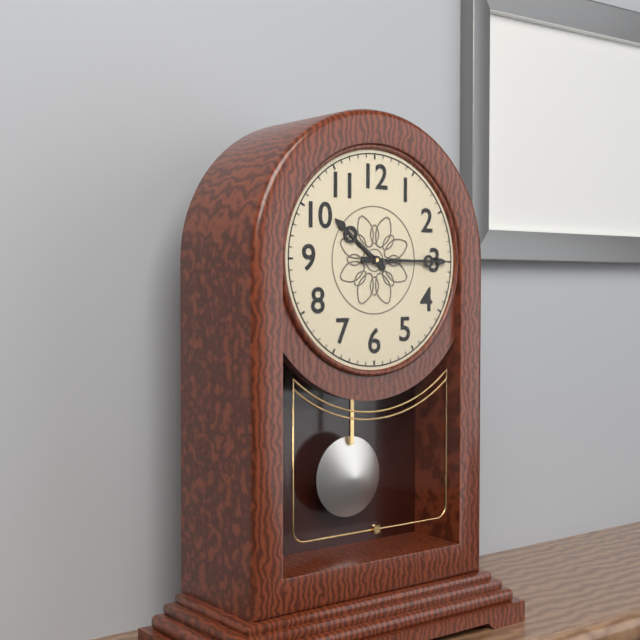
10:15
